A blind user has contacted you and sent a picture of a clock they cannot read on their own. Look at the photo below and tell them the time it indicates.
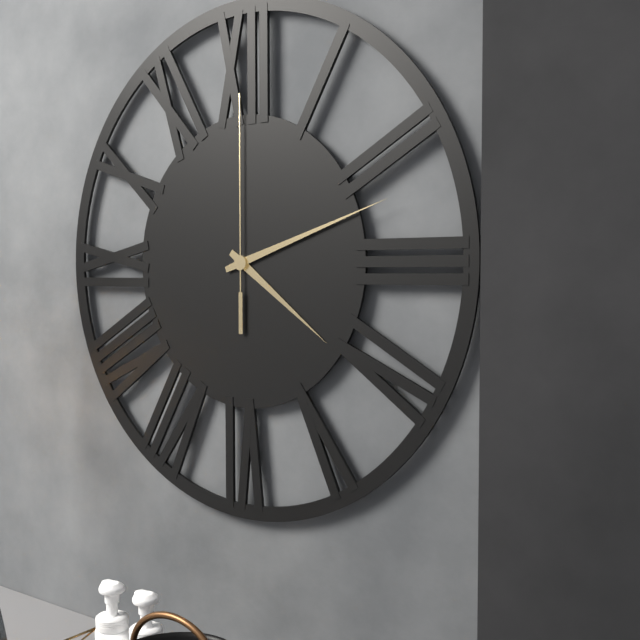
4:12:00
